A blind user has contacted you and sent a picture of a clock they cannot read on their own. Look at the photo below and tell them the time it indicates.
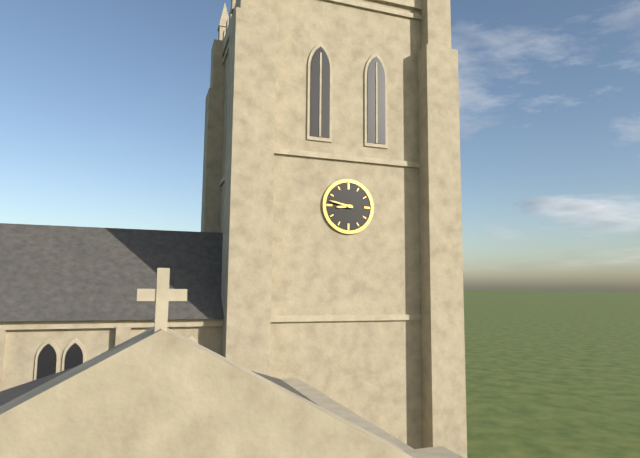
8:47
